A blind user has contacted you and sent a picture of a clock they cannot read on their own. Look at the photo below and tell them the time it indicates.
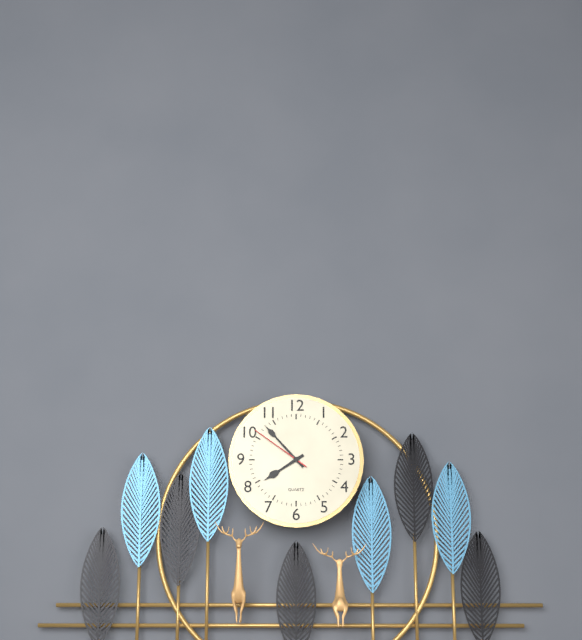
7:53:51
